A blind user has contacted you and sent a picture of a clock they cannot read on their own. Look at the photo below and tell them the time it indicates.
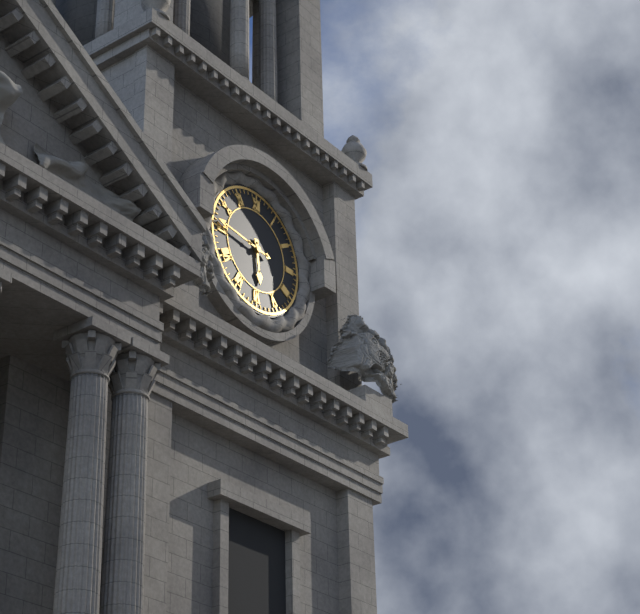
5:46
